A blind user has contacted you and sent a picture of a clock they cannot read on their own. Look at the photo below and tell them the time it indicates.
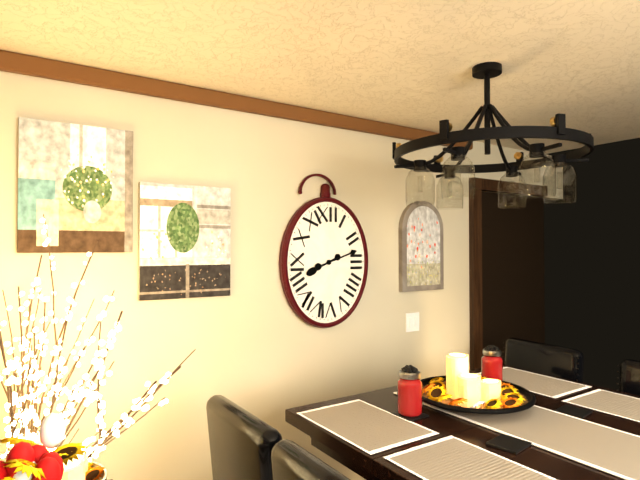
8:12
